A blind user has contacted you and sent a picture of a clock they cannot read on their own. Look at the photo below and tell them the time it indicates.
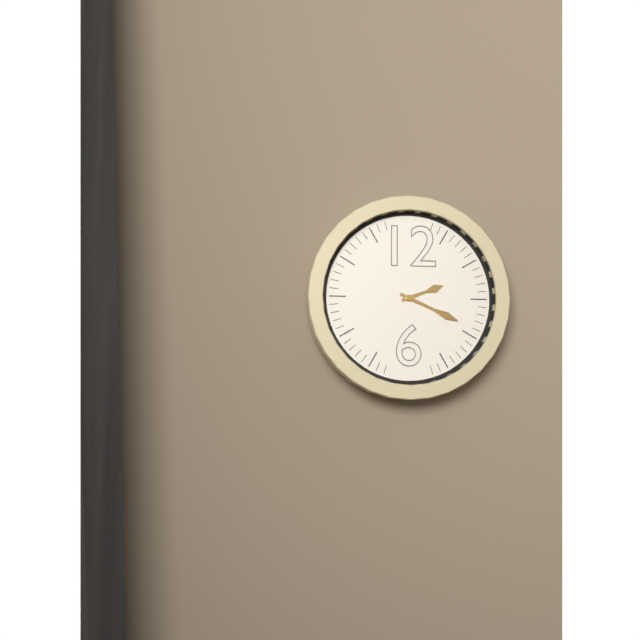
2:19
